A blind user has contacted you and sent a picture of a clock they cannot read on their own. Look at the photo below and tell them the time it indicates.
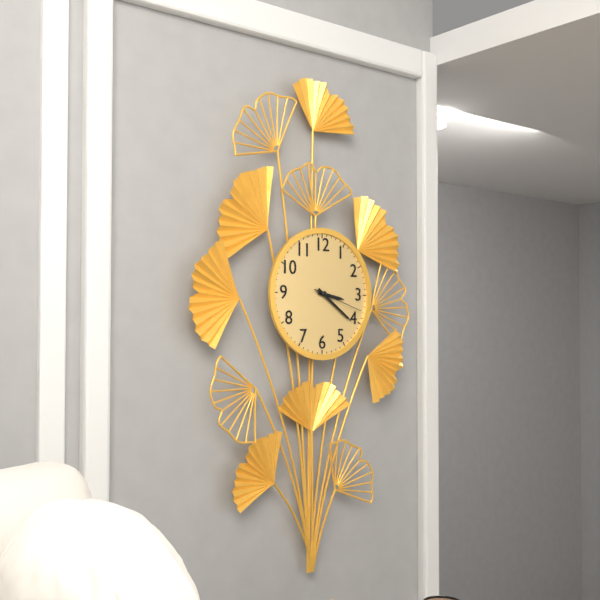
3:21:18
